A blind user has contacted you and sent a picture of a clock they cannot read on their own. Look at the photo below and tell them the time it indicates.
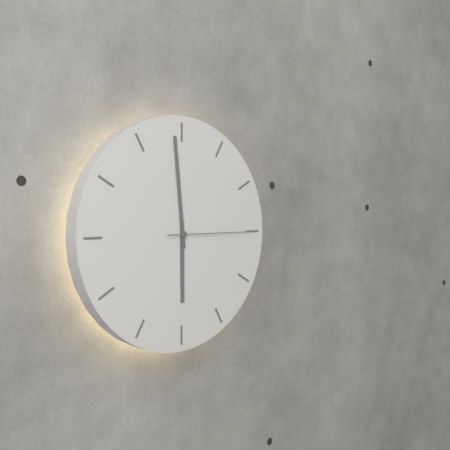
5:59:15
